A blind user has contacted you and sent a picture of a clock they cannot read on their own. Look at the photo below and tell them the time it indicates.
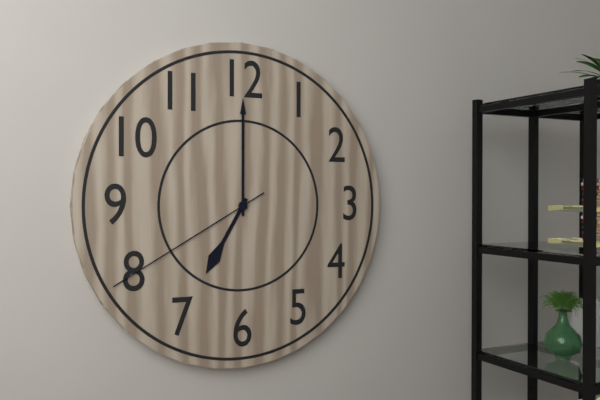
7:00:40
